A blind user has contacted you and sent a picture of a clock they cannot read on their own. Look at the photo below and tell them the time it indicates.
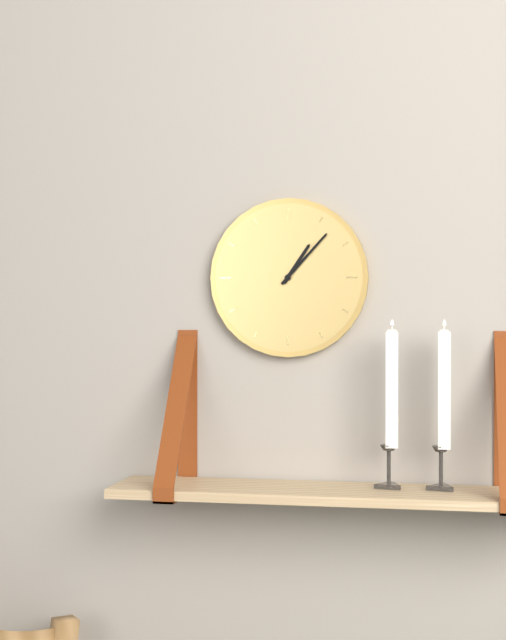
1:07
